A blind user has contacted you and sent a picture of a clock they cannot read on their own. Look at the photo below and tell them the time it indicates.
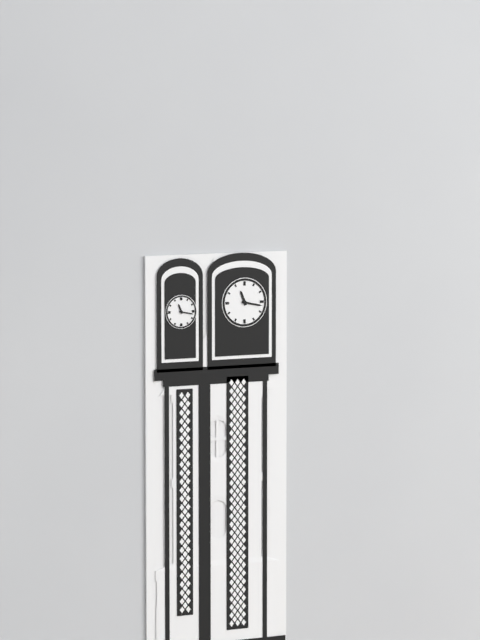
11:17
